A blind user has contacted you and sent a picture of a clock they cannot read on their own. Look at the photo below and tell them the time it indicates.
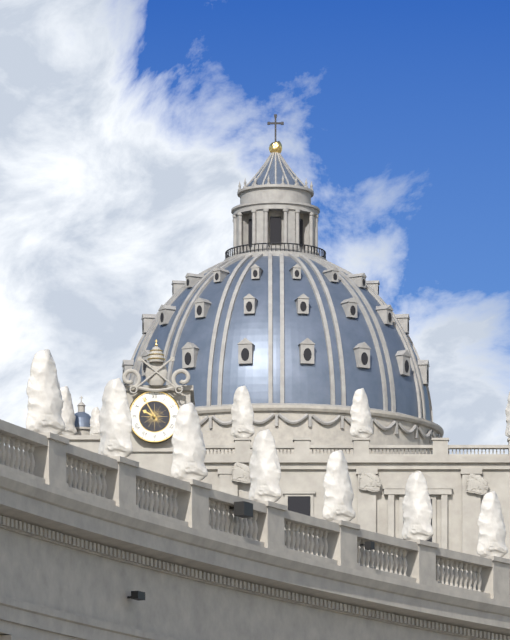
9:55
